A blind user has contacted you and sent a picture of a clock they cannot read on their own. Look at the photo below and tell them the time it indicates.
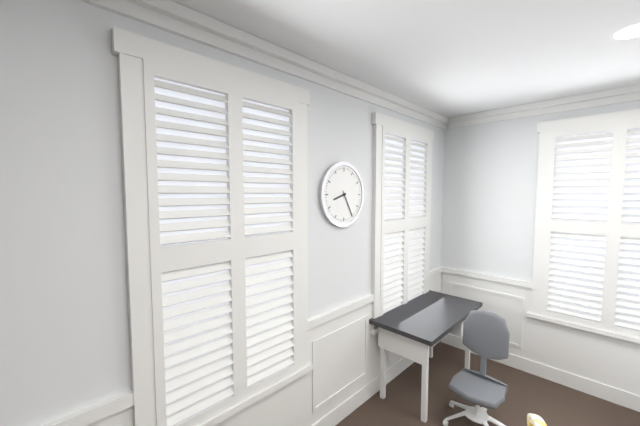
8:25
